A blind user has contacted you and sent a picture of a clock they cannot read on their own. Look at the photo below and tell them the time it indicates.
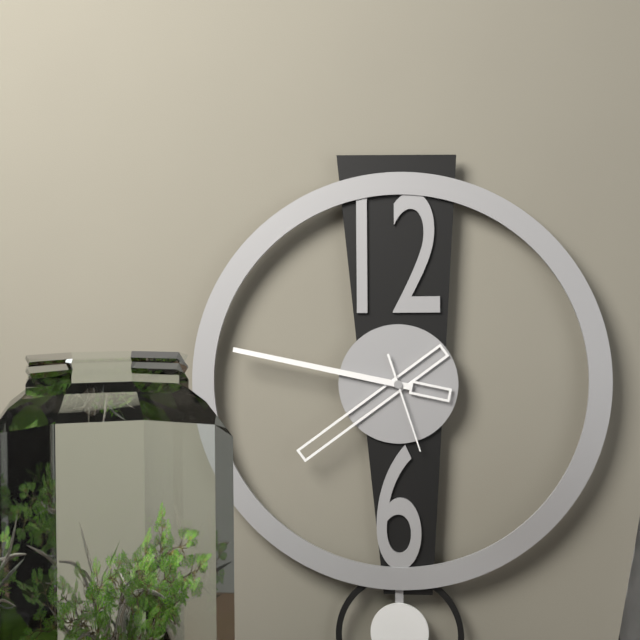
7:47:27
